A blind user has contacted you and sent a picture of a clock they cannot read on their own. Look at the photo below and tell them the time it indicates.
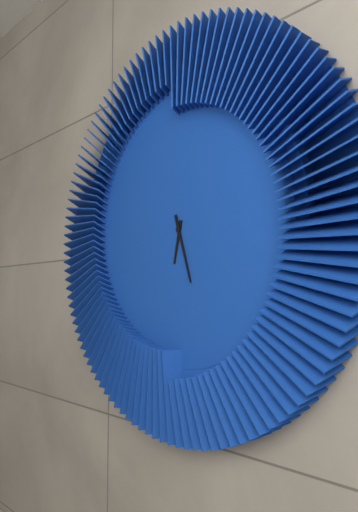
6:27
